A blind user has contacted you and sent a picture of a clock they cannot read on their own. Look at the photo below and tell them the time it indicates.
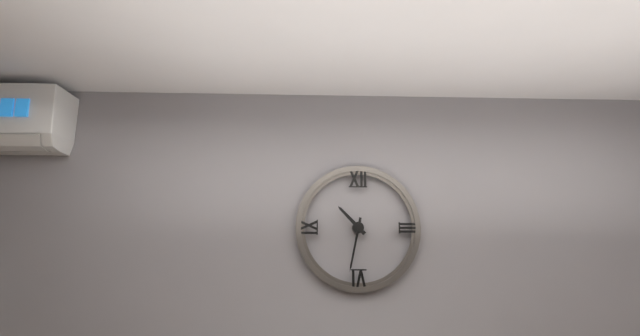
10:32
